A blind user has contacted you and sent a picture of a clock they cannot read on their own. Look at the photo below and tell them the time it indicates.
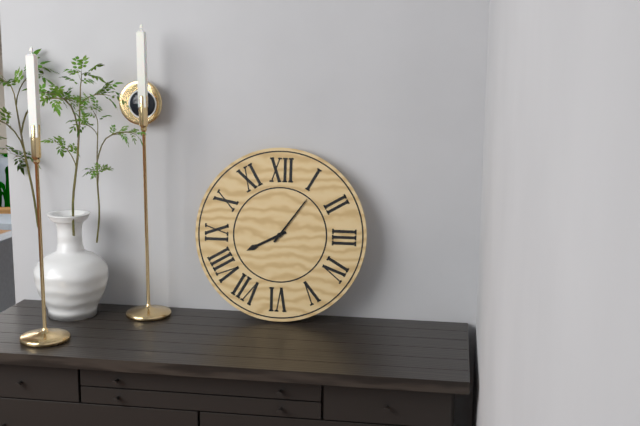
8:06
